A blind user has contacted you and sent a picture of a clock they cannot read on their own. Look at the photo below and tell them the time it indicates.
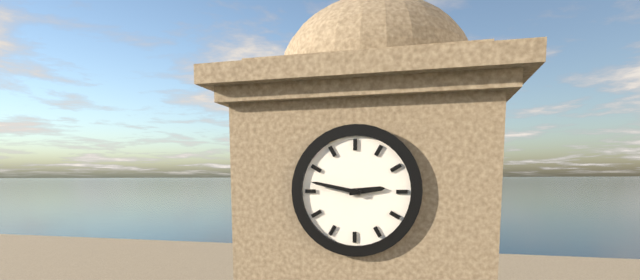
2:47
